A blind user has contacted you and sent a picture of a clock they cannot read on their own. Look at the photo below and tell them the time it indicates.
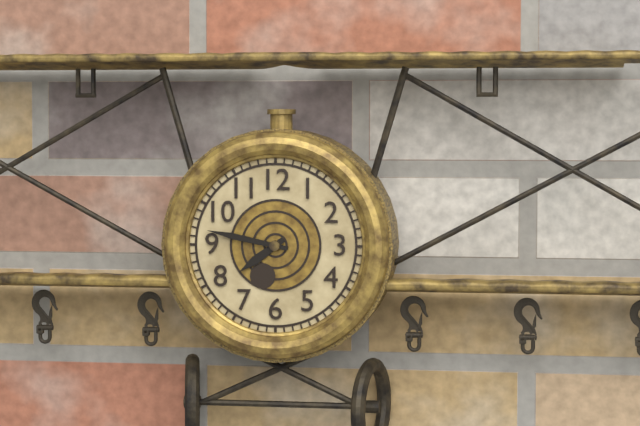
7:47
